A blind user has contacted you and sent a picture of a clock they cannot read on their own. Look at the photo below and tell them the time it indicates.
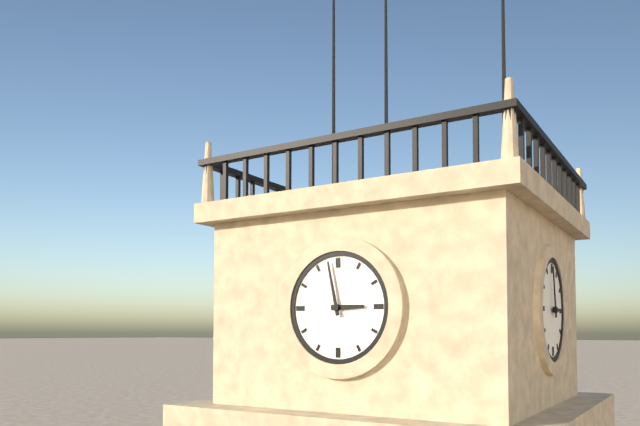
2:58
